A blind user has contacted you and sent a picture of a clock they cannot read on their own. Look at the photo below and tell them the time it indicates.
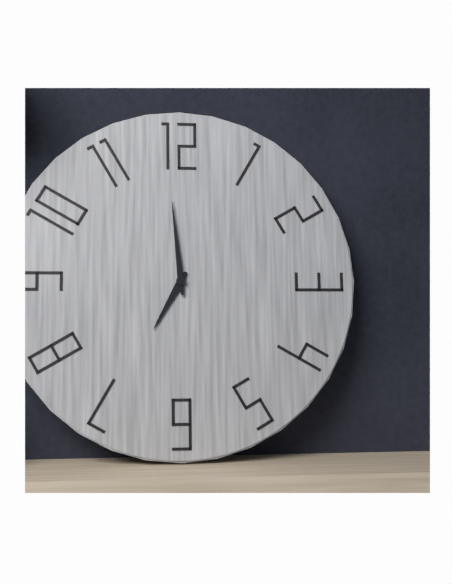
6:59
